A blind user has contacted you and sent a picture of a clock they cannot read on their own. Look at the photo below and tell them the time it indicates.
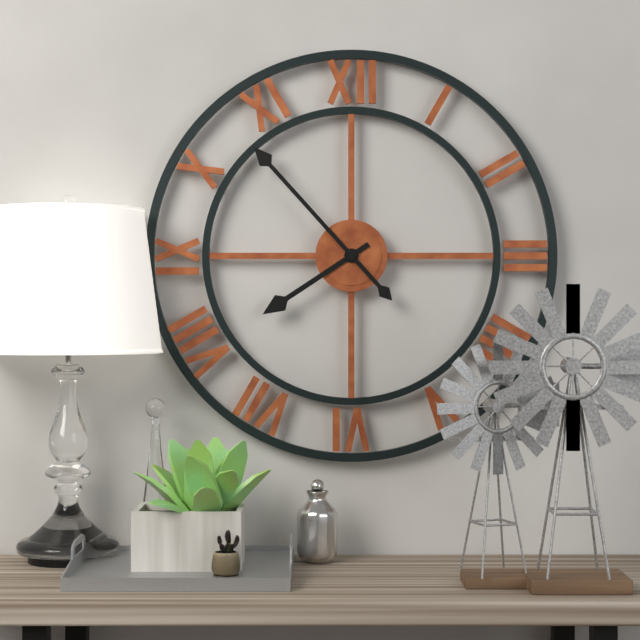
7:53
